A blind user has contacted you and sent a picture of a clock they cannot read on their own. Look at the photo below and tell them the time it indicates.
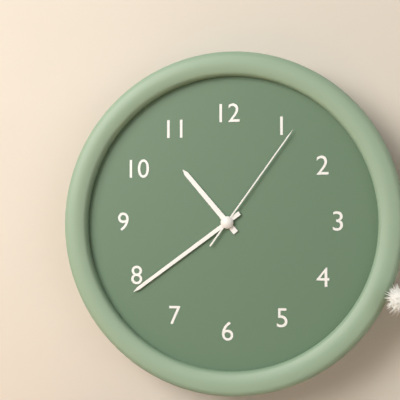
10:39:06
